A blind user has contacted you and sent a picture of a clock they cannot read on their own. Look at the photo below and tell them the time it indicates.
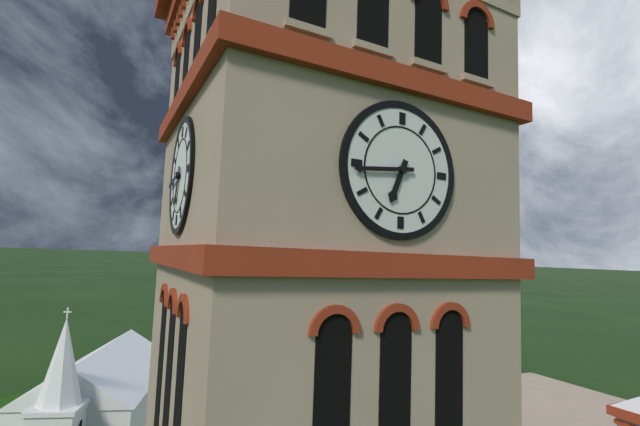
6:44
